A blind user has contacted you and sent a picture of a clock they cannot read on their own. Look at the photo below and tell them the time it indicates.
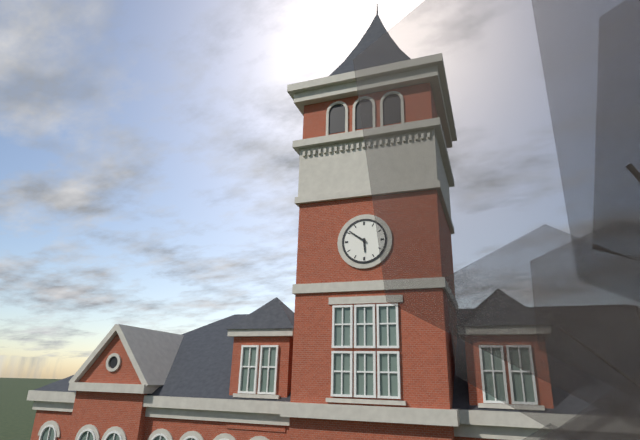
5:51
